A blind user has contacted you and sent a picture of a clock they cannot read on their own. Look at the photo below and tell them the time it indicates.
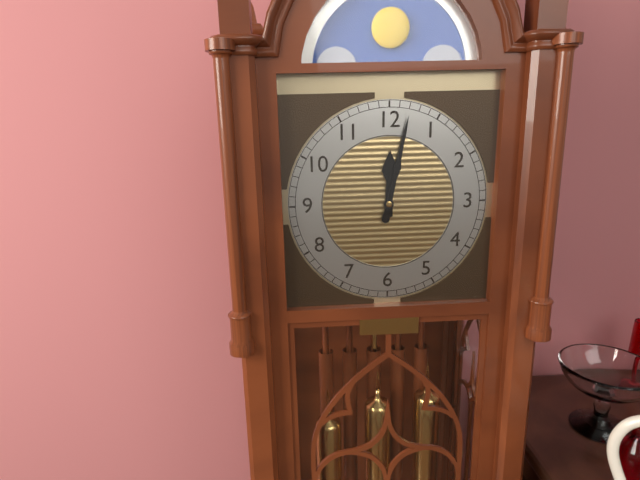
12:02
